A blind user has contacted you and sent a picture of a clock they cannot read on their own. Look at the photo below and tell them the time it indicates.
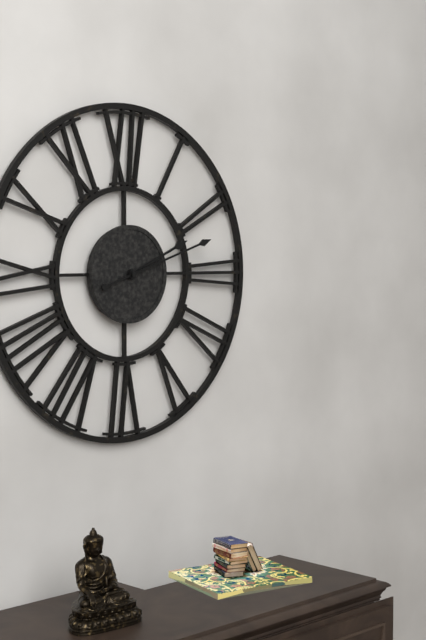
2:12
